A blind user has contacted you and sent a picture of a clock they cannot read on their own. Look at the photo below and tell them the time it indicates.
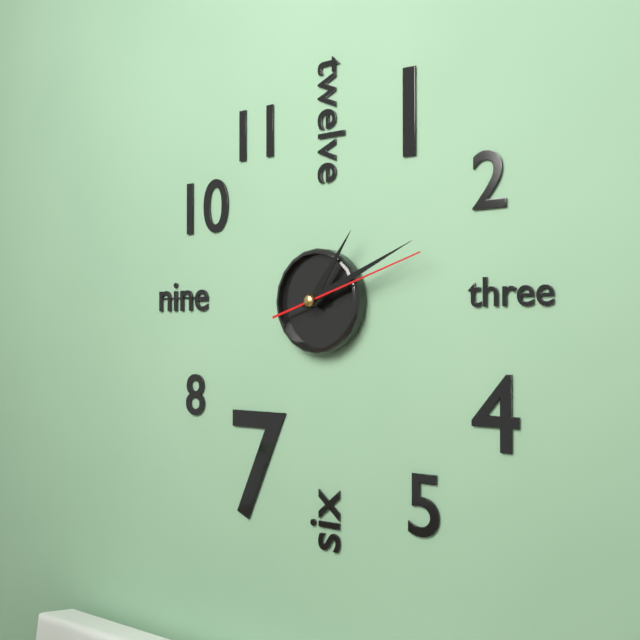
1:11:12
